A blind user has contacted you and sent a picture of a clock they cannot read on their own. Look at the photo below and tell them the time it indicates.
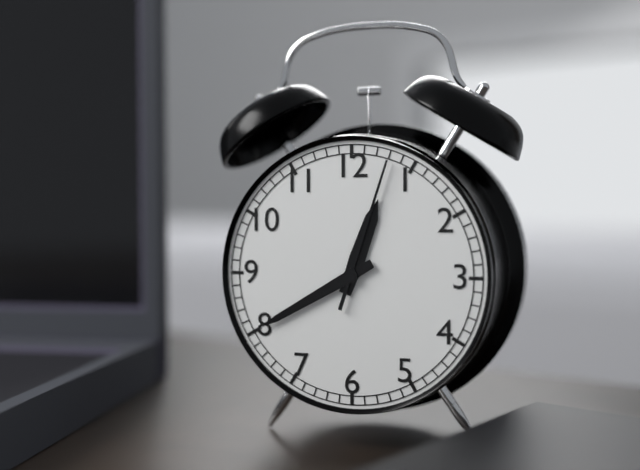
12:40:03
